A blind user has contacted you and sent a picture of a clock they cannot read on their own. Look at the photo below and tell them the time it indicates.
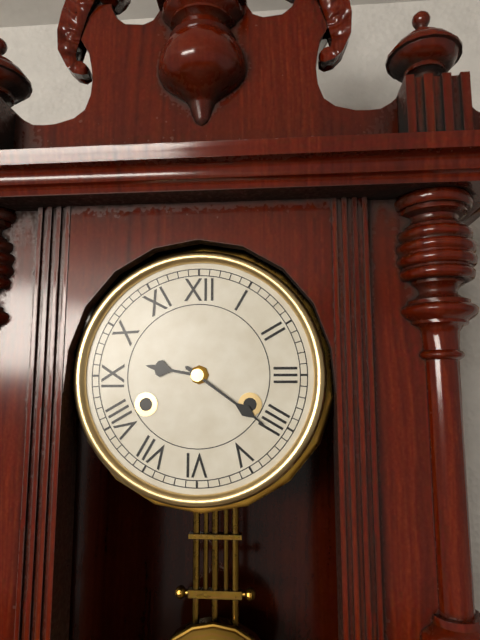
9:21
